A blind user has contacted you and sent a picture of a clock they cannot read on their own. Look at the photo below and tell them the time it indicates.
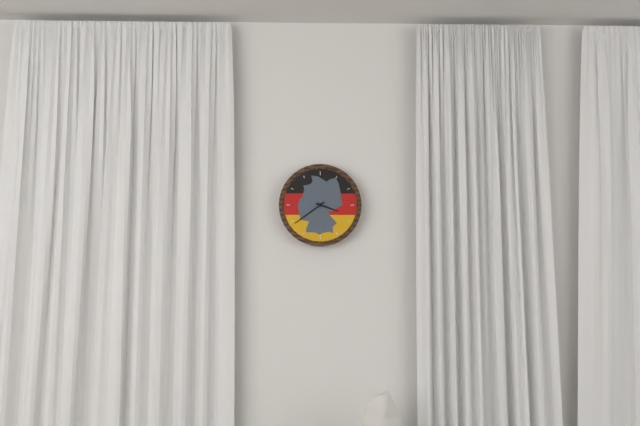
3:39
